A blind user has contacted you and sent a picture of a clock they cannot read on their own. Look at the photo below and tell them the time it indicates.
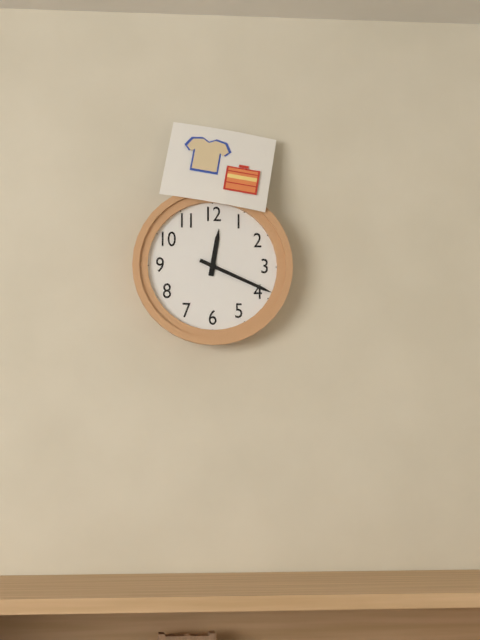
12:19
